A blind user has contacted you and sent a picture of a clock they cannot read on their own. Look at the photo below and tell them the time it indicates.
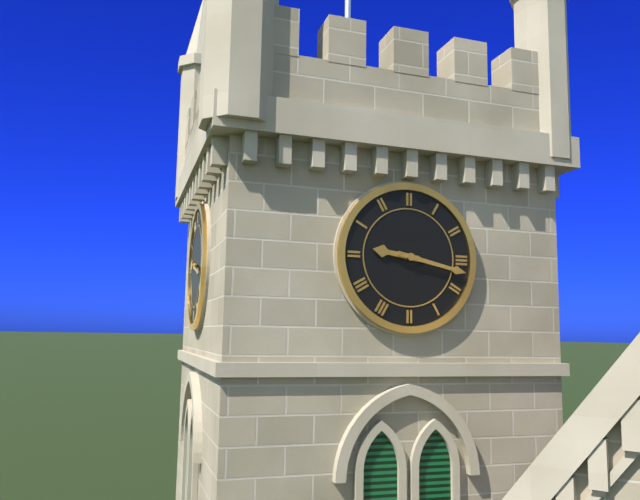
9:17
